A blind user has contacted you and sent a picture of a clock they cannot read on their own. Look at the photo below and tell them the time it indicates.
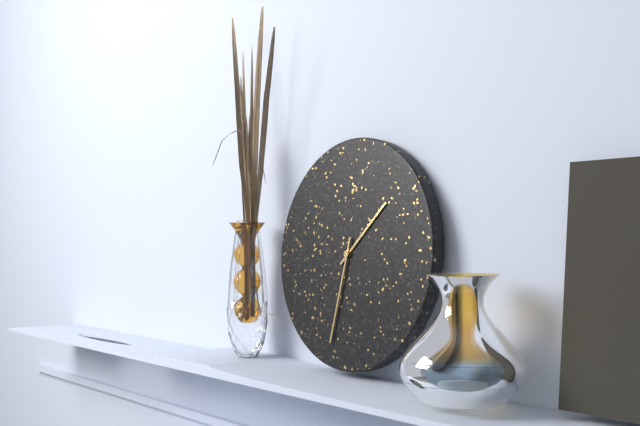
1:32
